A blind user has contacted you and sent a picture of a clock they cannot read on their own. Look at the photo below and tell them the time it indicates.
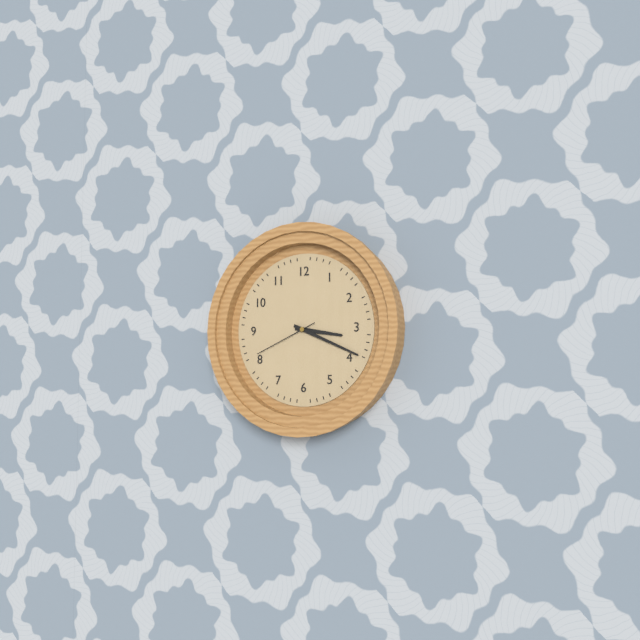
3:19:41
